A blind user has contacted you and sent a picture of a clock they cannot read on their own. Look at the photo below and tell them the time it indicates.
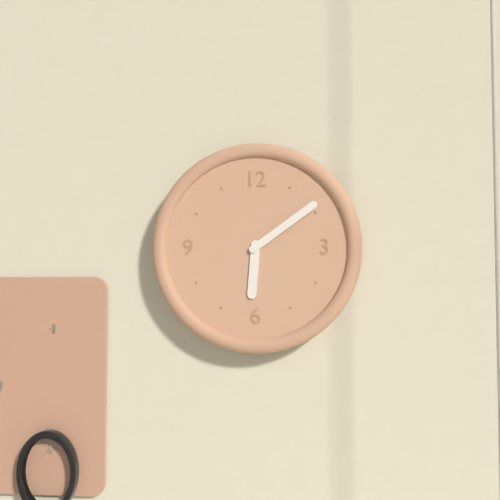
6:09
